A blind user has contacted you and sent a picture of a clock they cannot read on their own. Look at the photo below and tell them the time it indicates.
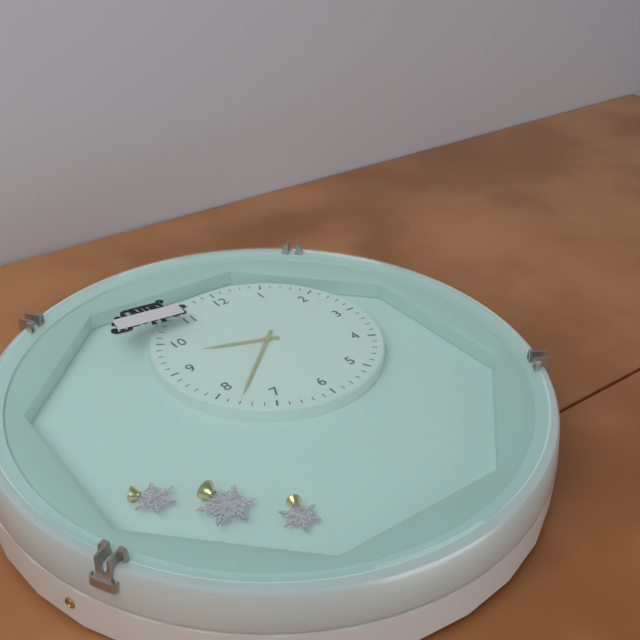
9:38
